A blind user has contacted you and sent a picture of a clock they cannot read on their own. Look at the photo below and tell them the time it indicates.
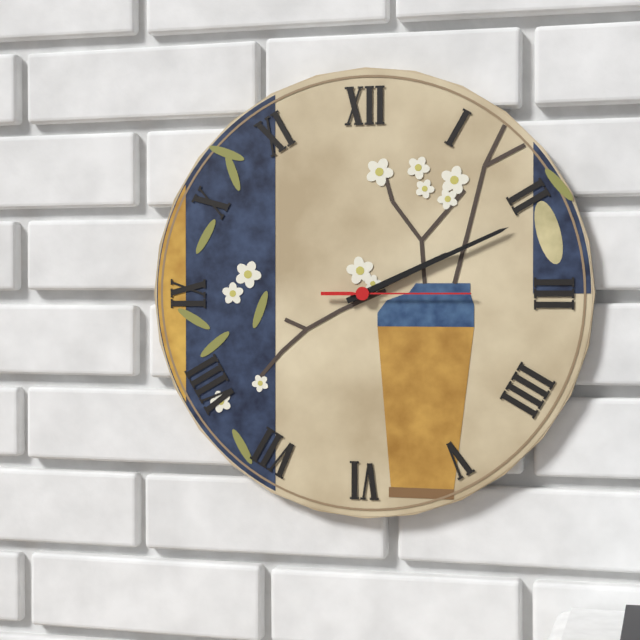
2:11:15
